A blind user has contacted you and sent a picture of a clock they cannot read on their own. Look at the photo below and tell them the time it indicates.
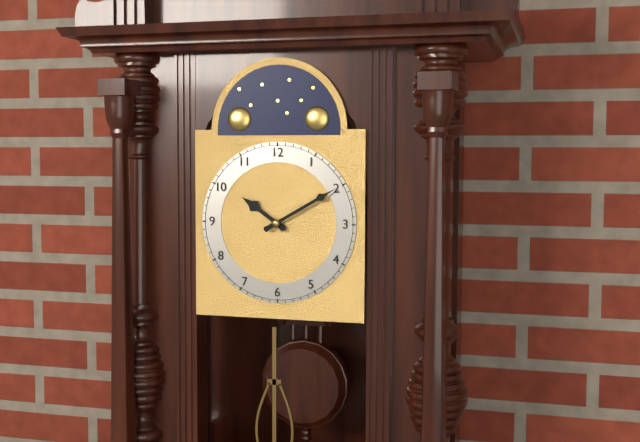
10:10
